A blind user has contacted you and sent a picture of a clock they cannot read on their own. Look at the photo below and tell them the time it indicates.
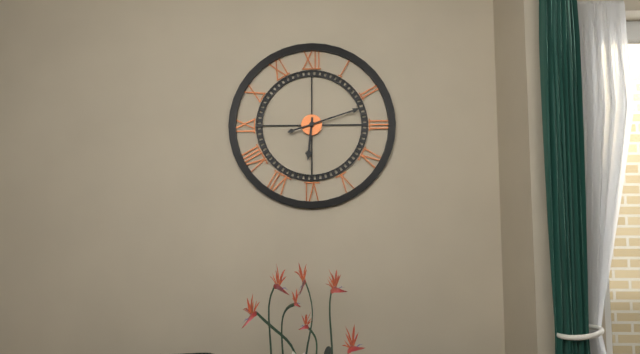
6:12
